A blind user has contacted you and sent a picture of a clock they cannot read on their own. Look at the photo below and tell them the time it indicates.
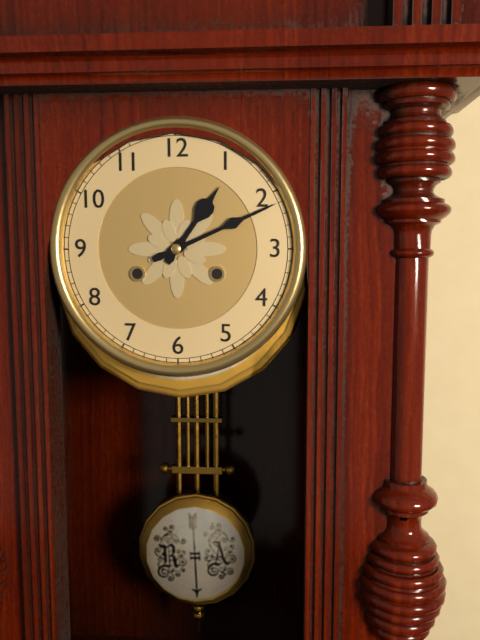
1:11
